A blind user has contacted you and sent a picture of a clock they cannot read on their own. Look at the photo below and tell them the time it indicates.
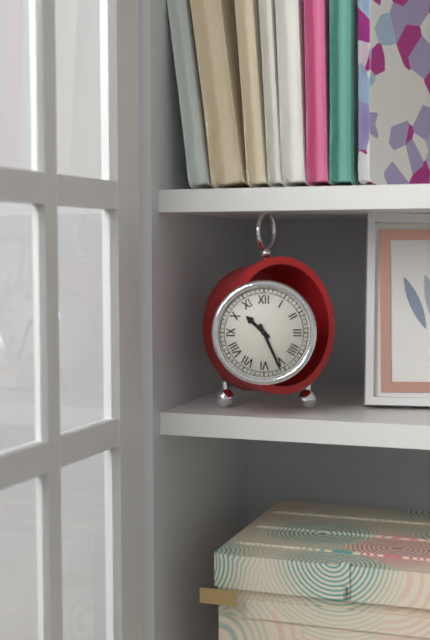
10:26
